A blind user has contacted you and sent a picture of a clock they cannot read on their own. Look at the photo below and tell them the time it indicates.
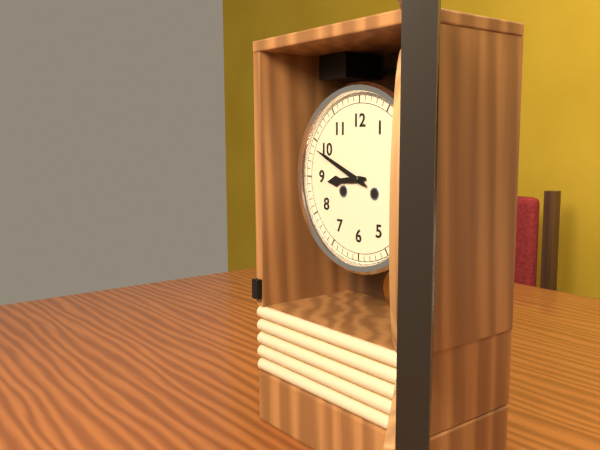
8:49
